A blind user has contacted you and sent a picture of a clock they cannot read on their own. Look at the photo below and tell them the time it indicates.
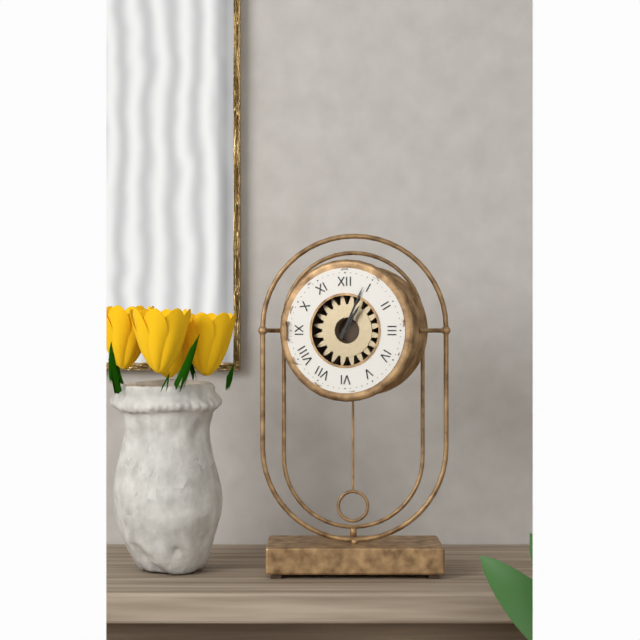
1:04
